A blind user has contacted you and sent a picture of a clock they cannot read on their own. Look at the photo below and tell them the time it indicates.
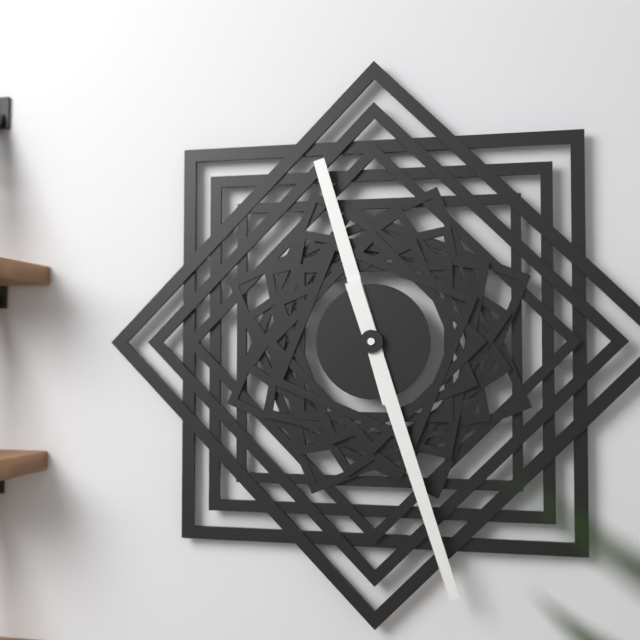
11:27
